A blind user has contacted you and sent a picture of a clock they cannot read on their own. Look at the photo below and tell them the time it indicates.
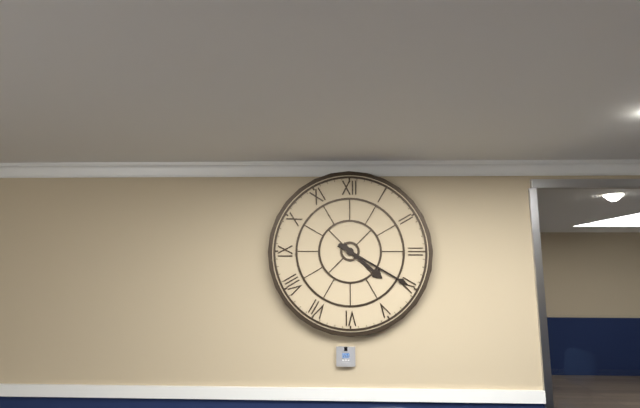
4:20
